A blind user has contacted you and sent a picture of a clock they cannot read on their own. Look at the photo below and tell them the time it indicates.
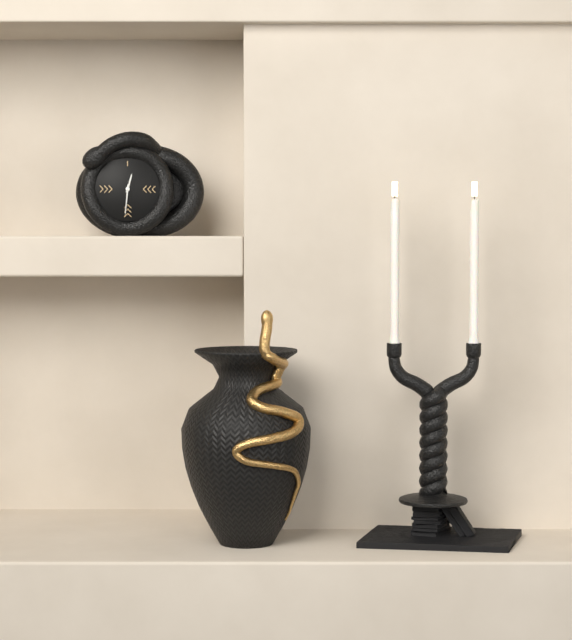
12:31
